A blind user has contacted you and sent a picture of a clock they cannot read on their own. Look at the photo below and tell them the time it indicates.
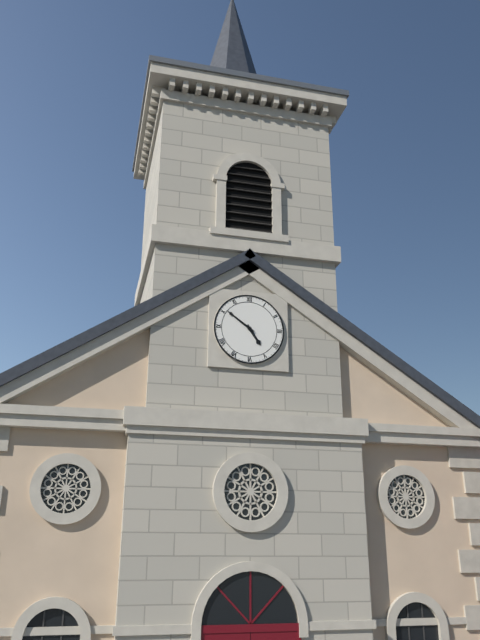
4:51
